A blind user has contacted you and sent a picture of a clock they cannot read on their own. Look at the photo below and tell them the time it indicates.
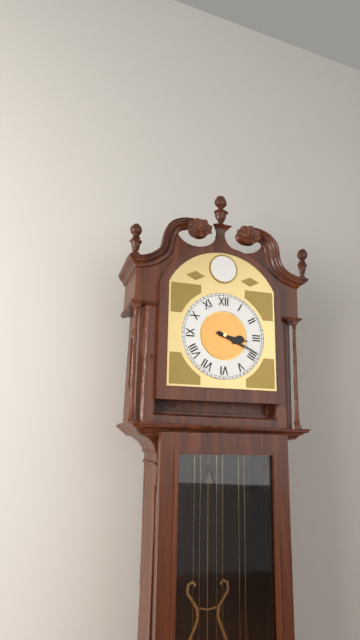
3:19
